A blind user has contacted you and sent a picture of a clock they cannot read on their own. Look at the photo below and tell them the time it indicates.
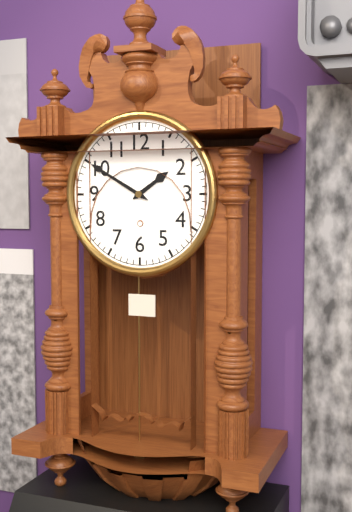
1:50
